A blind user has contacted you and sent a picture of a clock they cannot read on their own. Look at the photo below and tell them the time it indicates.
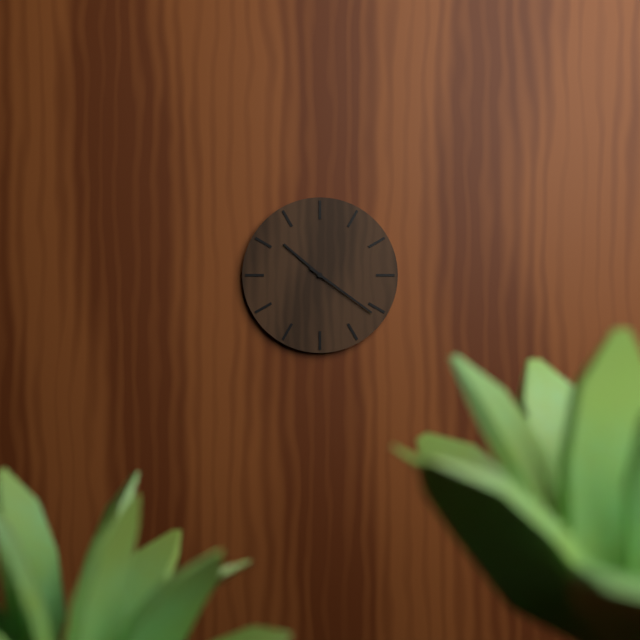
10:21
